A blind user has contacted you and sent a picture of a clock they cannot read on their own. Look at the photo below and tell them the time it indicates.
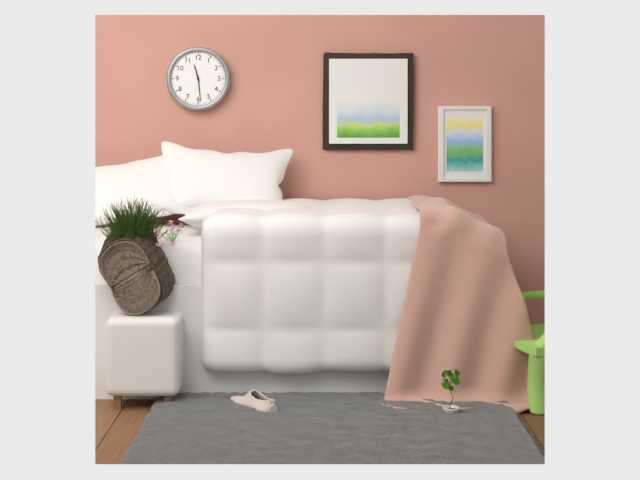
11:29
